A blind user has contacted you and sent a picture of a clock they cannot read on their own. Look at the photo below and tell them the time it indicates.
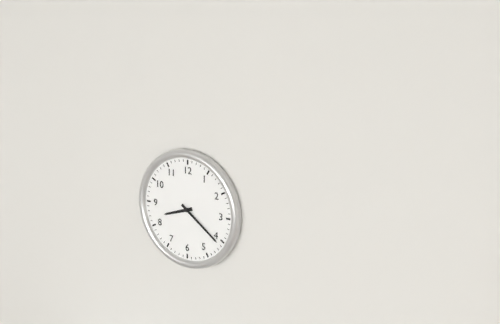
8:21
